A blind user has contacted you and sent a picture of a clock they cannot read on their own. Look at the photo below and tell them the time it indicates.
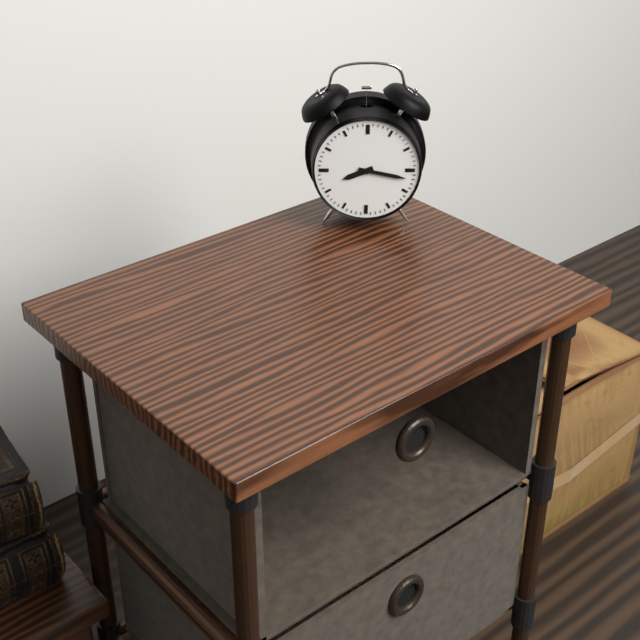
8:17
